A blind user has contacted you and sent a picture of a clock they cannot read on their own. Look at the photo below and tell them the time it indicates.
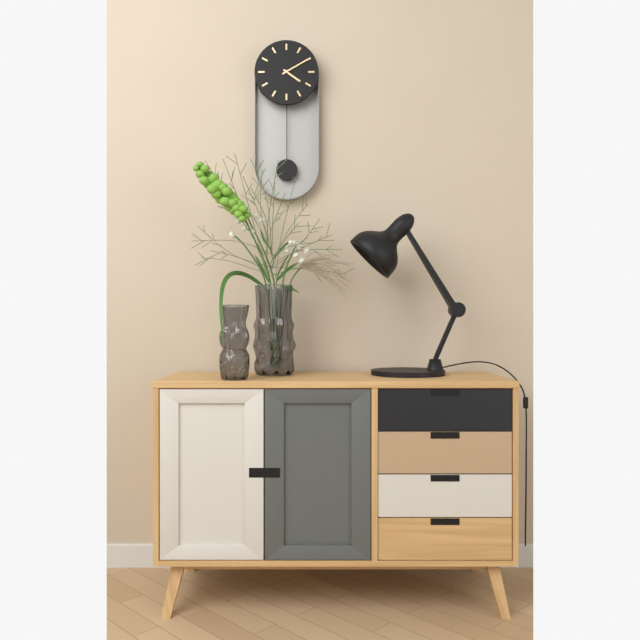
4:10
